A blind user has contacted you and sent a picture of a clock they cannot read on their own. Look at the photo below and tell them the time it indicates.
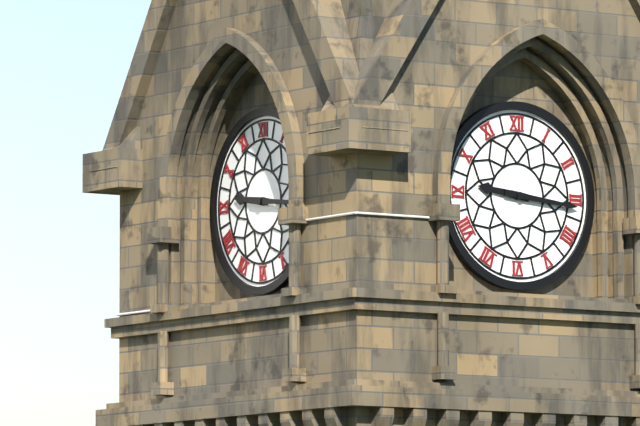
9:16
